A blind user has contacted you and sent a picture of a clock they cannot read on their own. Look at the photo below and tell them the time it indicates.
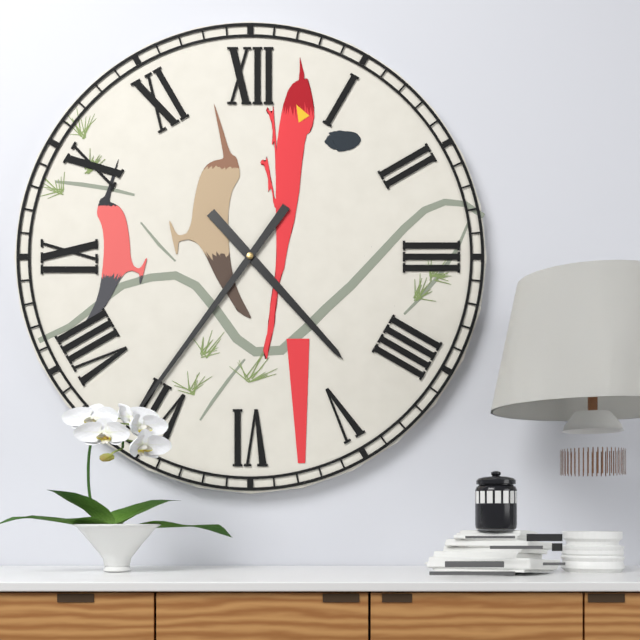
4:36
